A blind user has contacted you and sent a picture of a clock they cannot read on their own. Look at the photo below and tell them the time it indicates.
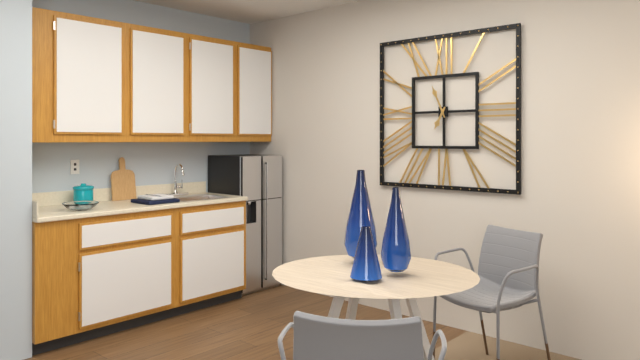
6:56
